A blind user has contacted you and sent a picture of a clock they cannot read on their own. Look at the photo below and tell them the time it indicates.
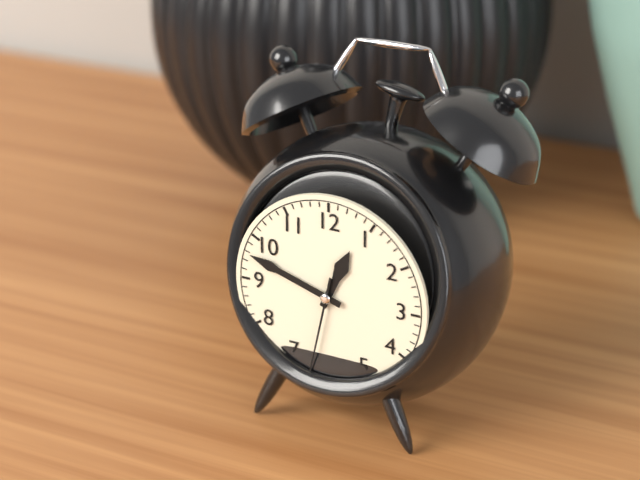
12:48:32
